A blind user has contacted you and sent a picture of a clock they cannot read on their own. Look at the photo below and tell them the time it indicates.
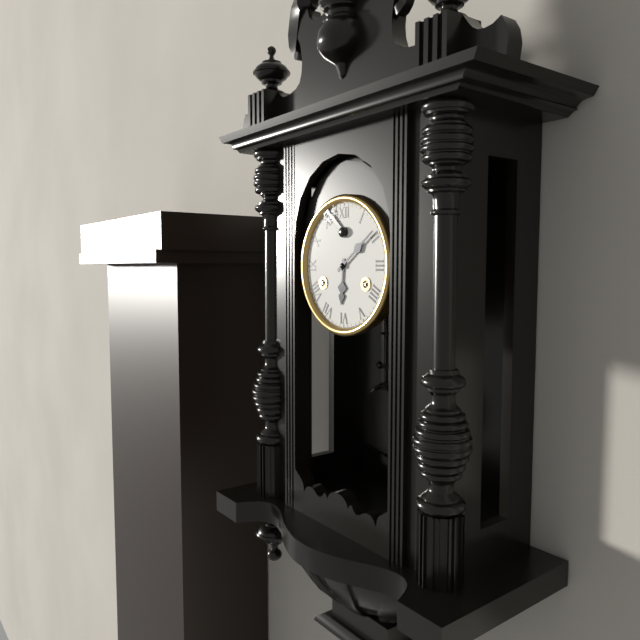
6:09
